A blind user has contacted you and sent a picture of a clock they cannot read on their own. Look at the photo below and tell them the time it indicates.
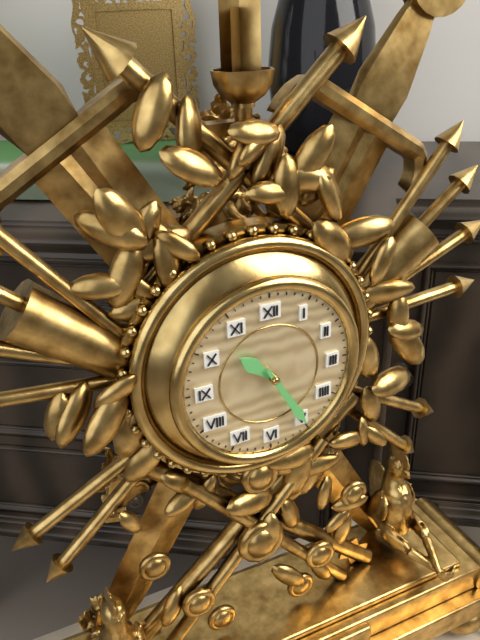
10:25
